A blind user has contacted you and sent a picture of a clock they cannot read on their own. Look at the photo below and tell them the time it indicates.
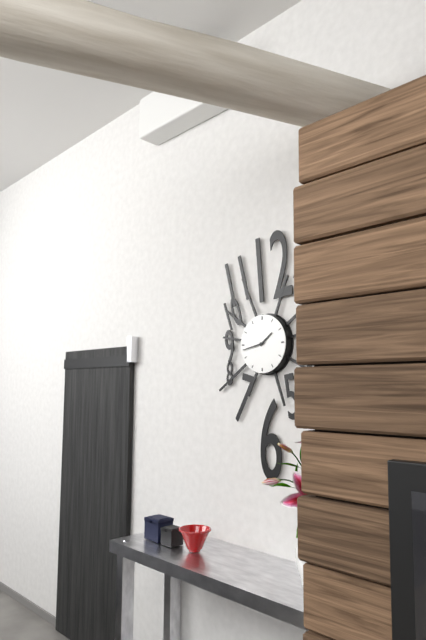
1:43
